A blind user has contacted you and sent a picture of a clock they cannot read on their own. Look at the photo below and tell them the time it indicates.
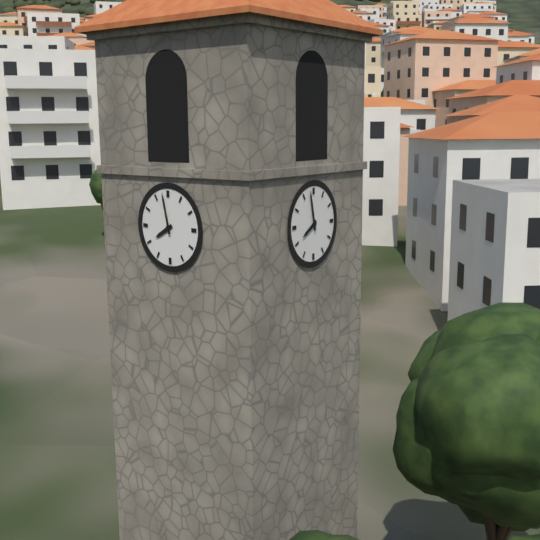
7:58
